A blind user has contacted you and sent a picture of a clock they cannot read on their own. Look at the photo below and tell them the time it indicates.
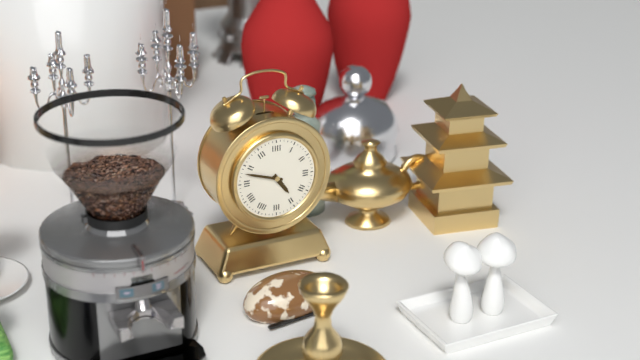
4:48
